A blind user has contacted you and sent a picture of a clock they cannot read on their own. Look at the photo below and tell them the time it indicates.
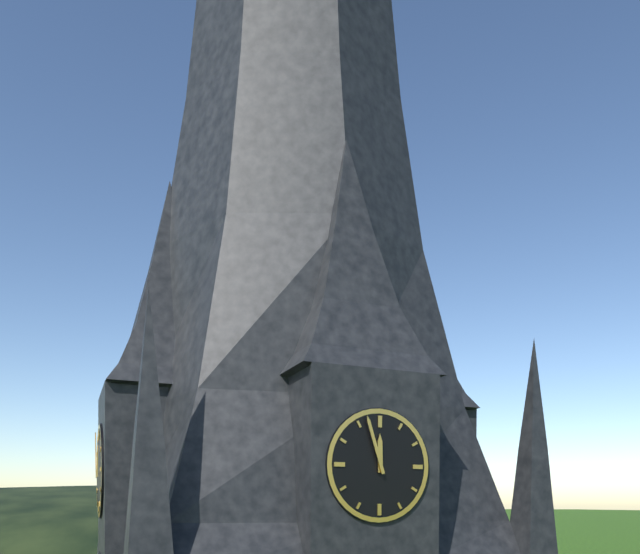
11:57
